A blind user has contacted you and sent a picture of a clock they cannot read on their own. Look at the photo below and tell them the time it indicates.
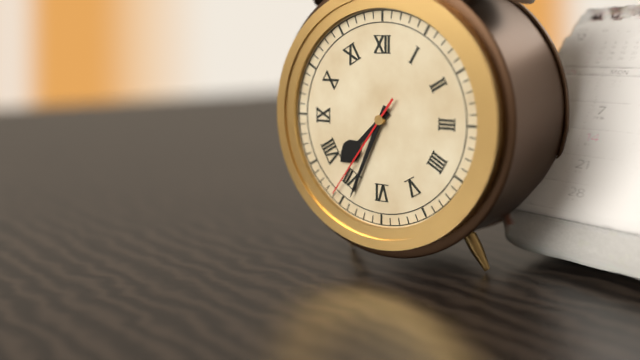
7:34:36
